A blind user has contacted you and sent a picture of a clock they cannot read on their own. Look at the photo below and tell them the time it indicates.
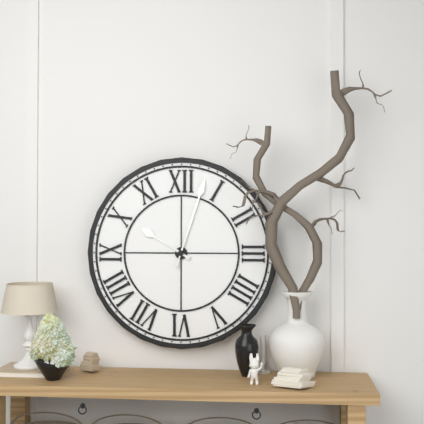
10:03
